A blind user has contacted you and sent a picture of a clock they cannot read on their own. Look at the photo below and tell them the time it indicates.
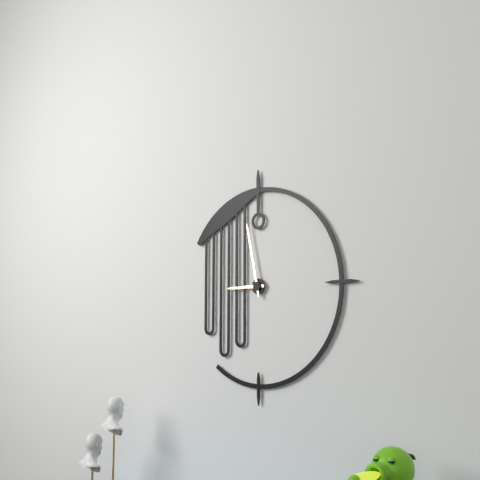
8:58
